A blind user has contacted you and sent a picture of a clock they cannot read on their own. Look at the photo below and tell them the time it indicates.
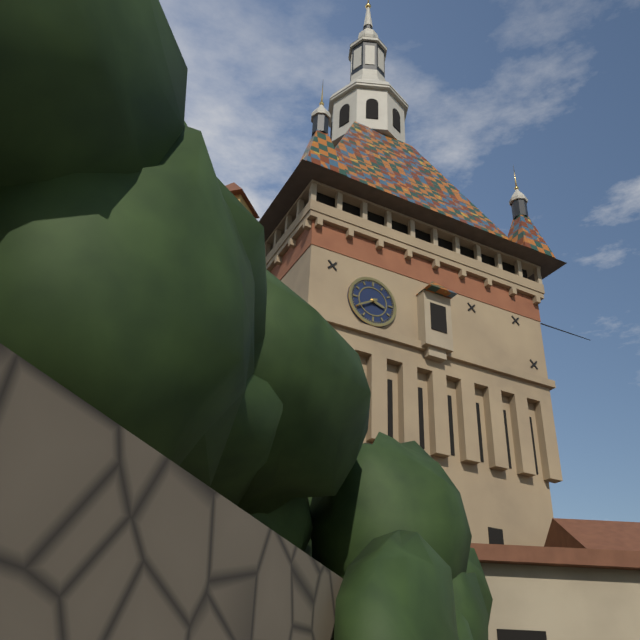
3:40
